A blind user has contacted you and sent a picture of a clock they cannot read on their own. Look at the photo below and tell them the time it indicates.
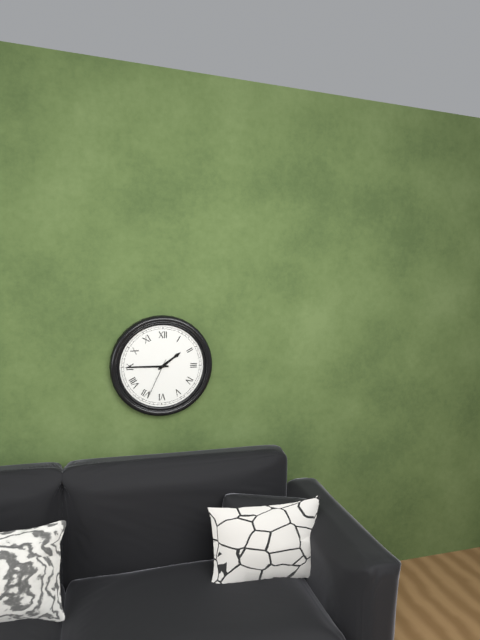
1:45
